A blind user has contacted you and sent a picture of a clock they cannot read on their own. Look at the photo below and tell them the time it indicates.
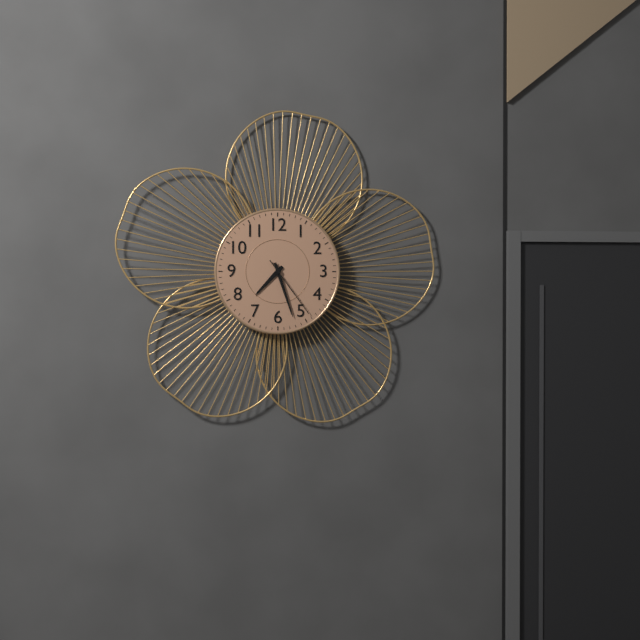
7:27:24
